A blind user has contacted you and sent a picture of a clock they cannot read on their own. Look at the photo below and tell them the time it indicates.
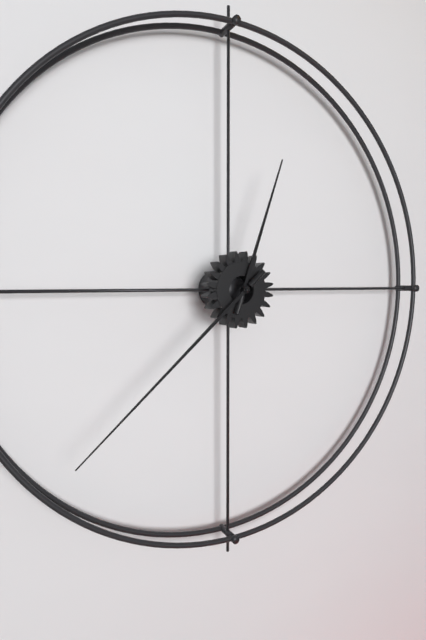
12:38
